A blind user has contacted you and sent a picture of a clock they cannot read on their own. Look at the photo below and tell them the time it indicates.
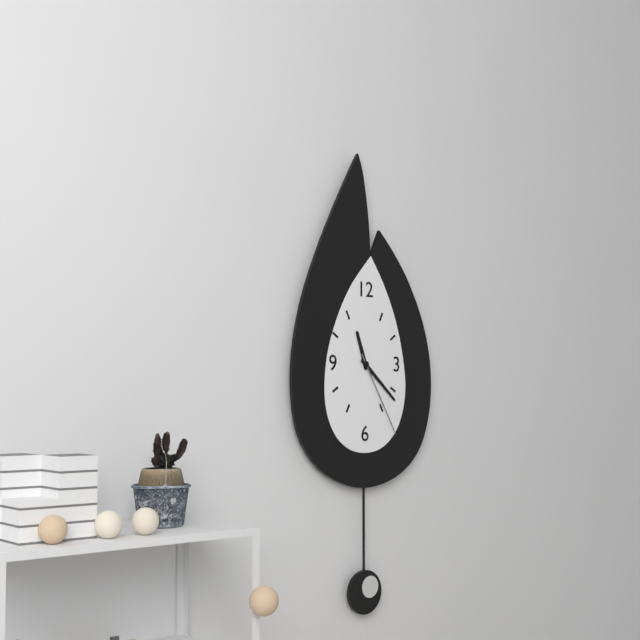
11:22:25
